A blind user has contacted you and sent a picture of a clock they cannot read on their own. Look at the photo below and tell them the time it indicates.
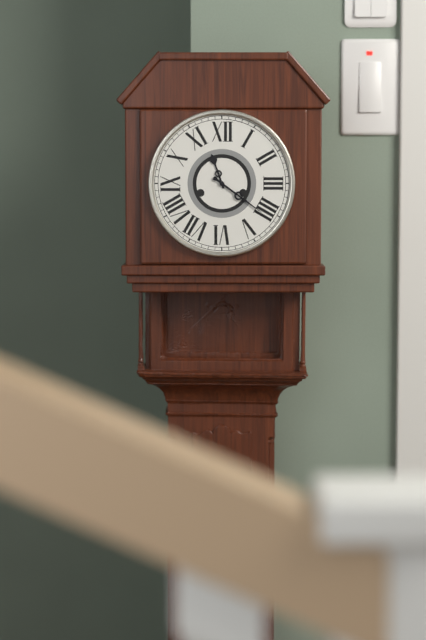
11:21
